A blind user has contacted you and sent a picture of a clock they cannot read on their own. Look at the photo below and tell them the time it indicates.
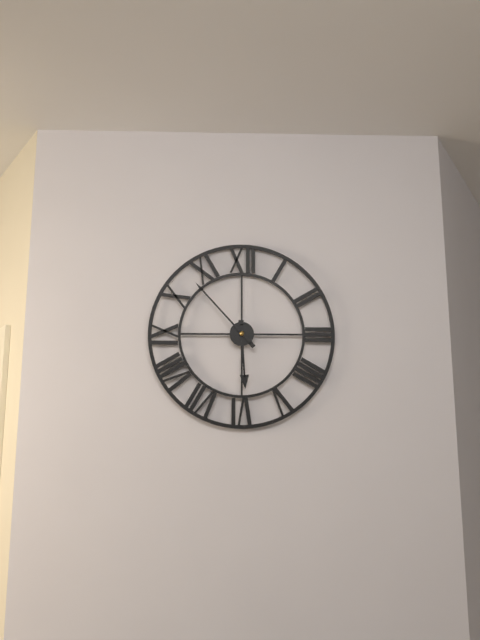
5:53
